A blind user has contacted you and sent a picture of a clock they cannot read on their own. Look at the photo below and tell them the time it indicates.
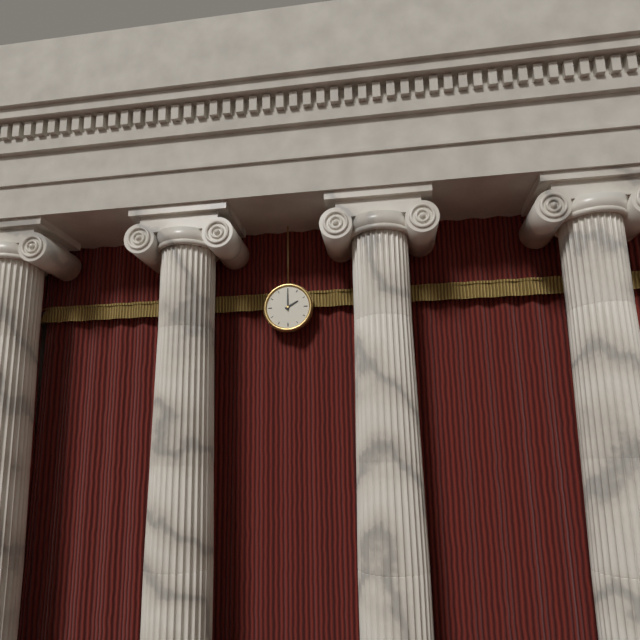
2:00
